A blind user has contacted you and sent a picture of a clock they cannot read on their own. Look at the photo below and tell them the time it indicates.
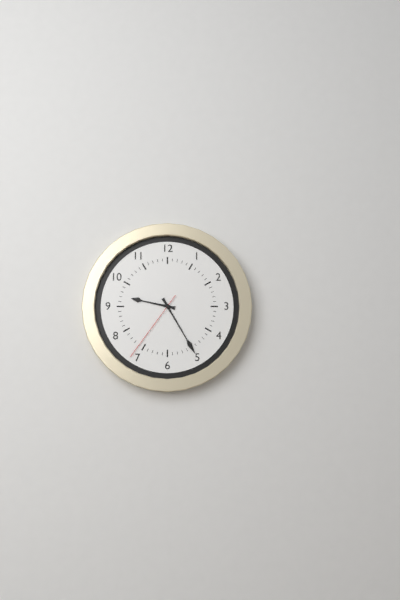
9:25:36
